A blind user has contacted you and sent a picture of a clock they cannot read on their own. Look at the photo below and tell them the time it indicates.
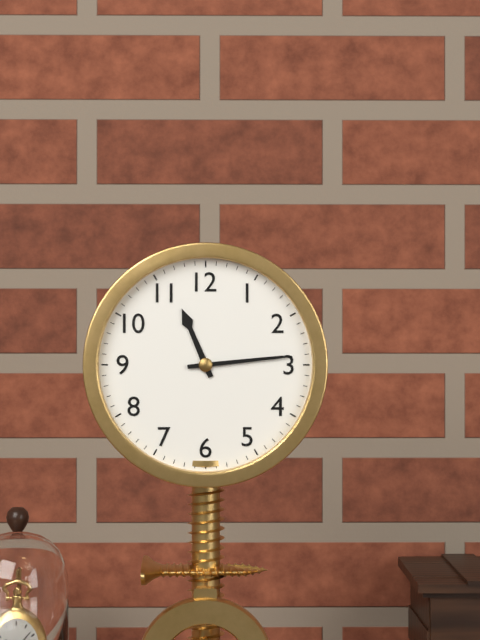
11:14
